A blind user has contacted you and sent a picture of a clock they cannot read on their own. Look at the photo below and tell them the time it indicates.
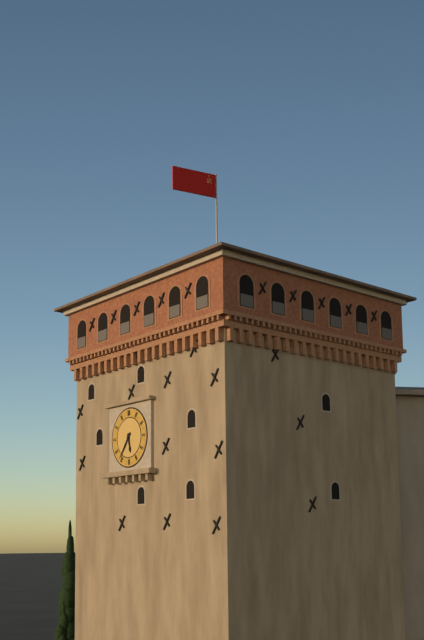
5:36
